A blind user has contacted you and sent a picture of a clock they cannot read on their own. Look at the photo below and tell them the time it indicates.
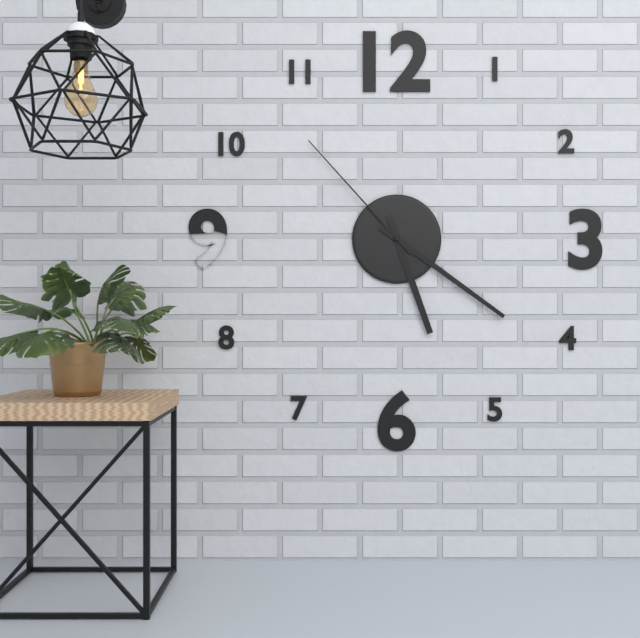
5:21:53
